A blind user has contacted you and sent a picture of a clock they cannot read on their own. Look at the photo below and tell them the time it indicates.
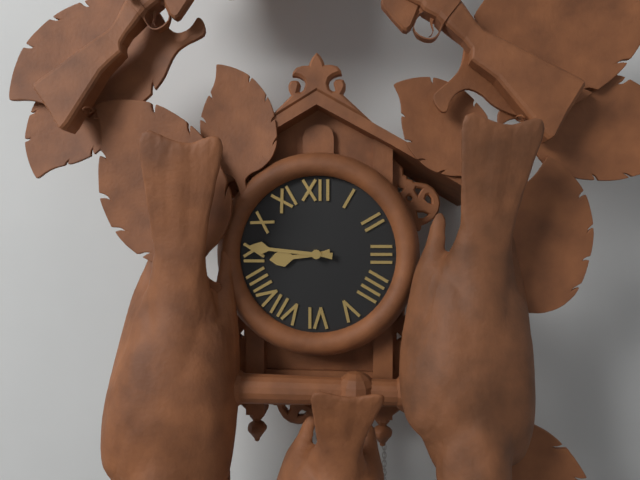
8:46
